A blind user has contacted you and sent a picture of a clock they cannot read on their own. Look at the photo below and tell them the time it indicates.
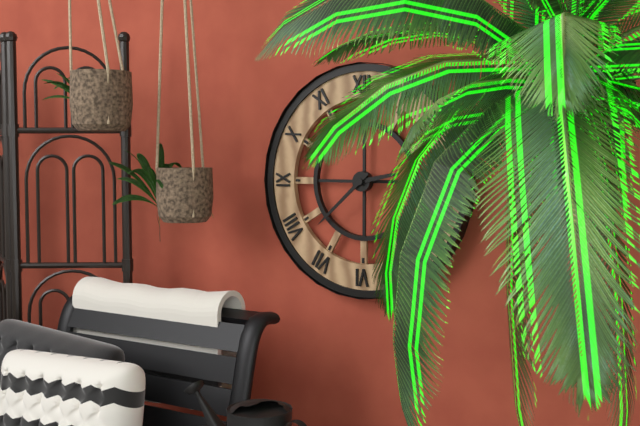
2:38
